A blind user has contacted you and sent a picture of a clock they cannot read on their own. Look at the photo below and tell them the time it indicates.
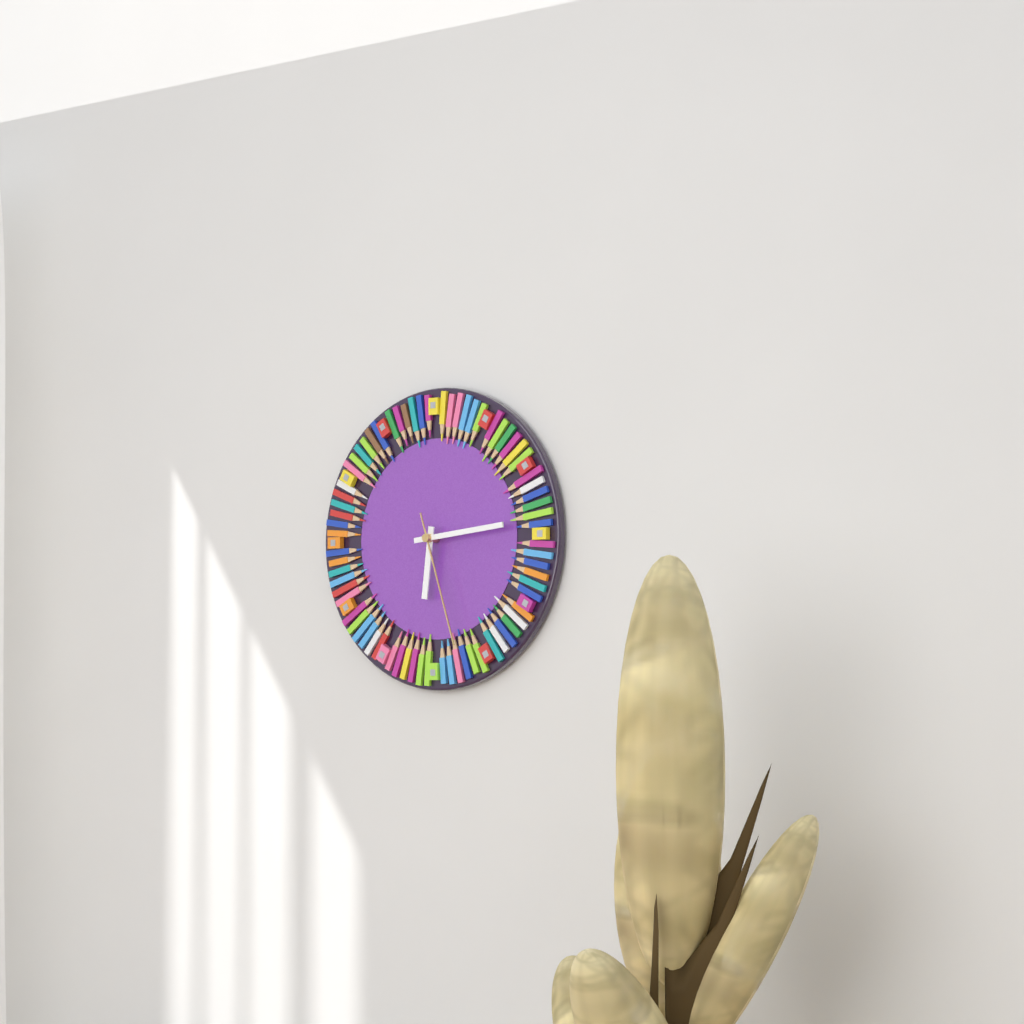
6:14:27
